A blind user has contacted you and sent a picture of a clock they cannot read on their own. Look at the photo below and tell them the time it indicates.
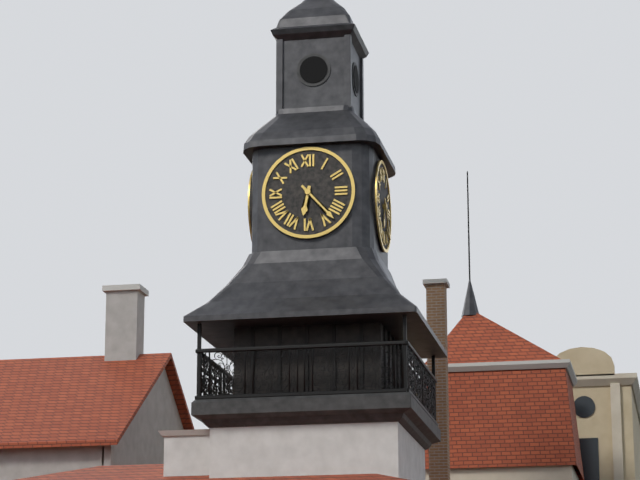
6:23
